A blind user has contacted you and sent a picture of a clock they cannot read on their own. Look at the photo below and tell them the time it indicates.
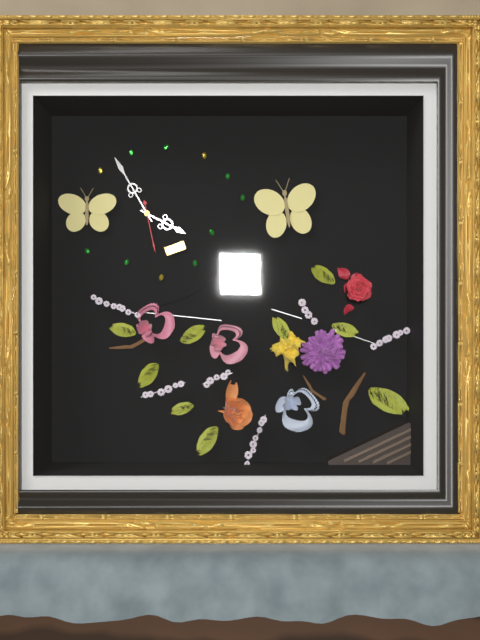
3:55:28
